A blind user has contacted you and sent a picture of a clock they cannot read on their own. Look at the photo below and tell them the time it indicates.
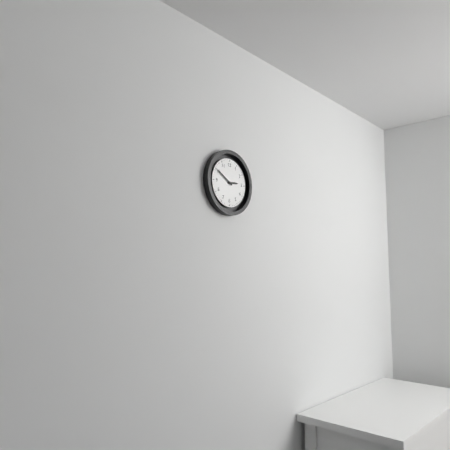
2:50
